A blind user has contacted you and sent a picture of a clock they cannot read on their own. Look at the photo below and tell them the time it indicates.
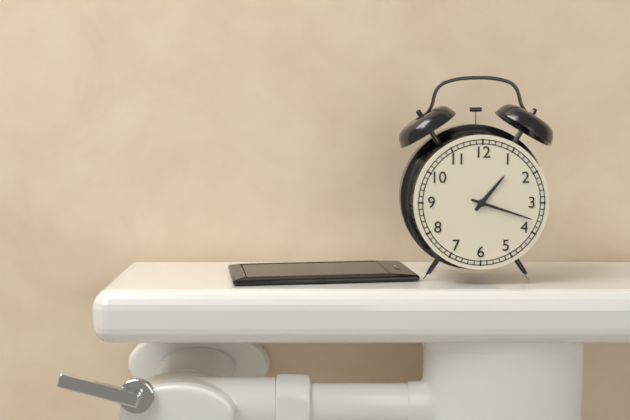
1:18
